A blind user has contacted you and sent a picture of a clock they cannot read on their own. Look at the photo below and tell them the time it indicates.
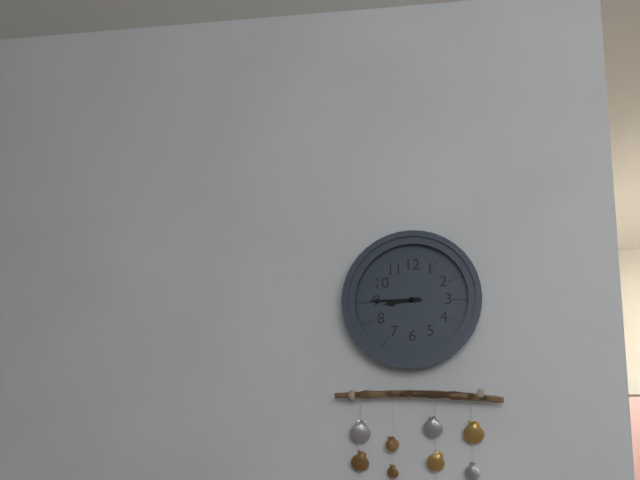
8:45
